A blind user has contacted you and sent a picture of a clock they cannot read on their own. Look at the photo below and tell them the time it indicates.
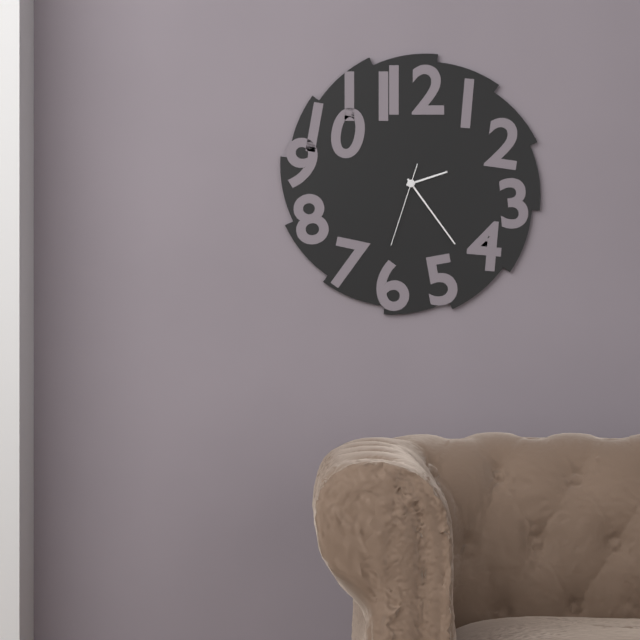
2:24:33
